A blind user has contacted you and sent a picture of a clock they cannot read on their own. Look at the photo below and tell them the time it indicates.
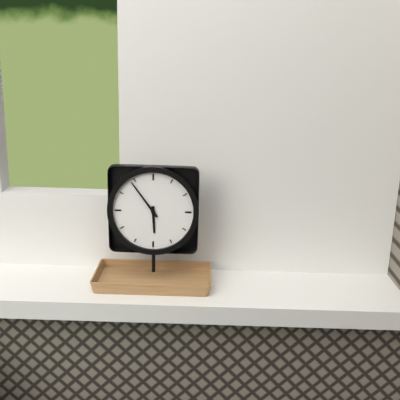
5:54
